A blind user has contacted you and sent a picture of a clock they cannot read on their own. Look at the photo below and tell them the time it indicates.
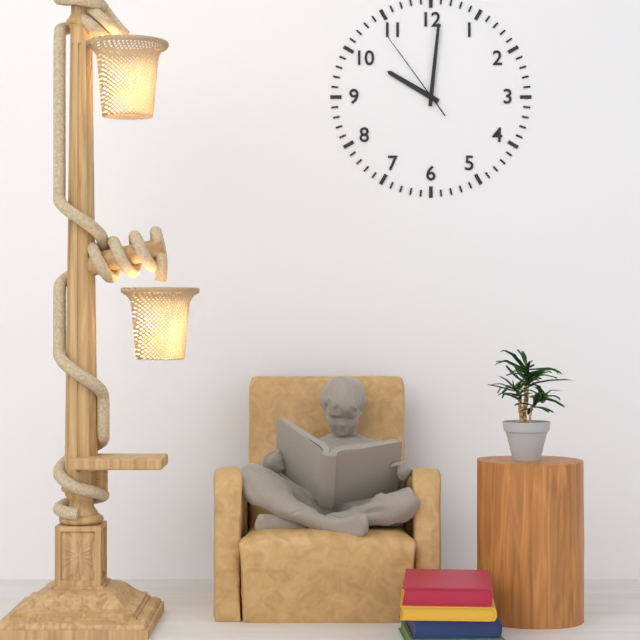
10:01:54
